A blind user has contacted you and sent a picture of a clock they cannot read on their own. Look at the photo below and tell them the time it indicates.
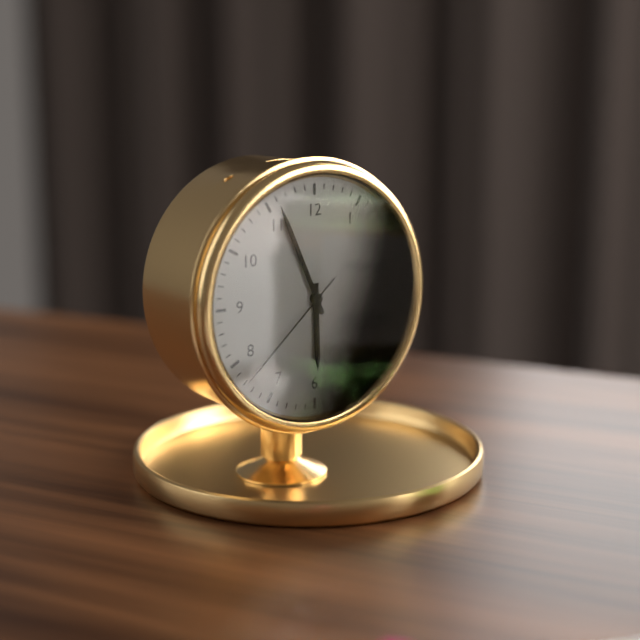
5:56:38
